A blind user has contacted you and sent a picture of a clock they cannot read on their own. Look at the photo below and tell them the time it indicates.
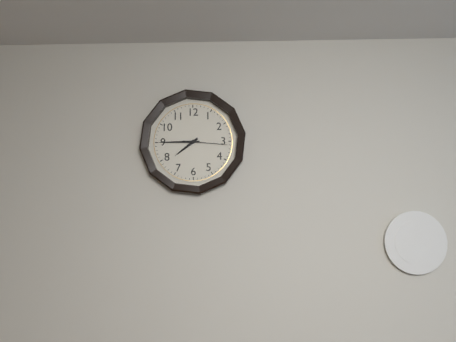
7:45
